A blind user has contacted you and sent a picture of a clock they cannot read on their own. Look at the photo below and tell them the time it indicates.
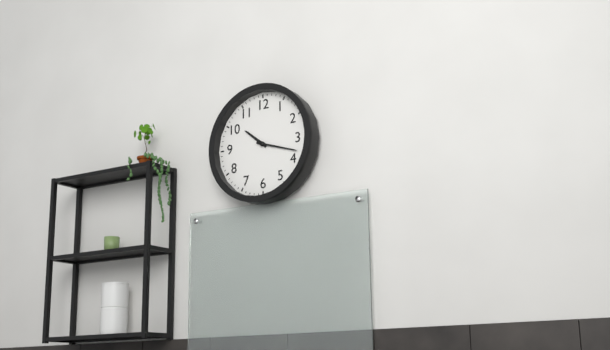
10:18
